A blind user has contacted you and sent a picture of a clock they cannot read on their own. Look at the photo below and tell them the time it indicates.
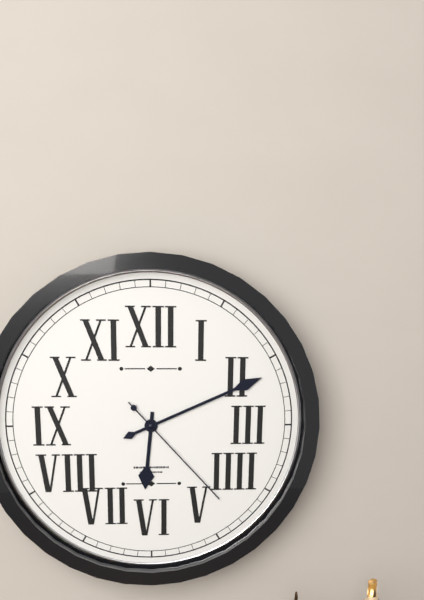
6:11:23
